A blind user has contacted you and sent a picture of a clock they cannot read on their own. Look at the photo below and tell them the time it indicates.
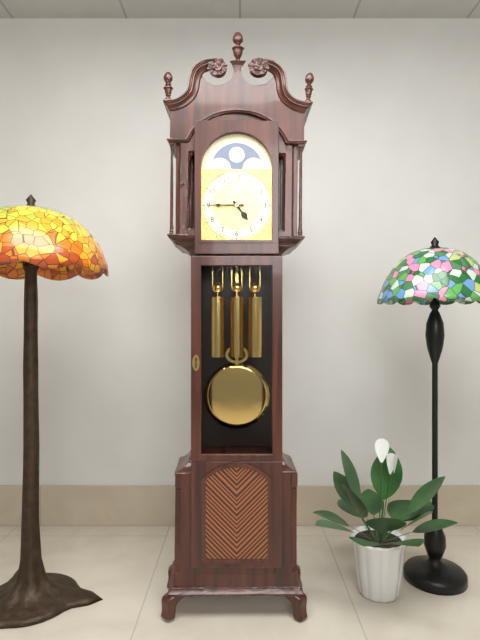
4:45
